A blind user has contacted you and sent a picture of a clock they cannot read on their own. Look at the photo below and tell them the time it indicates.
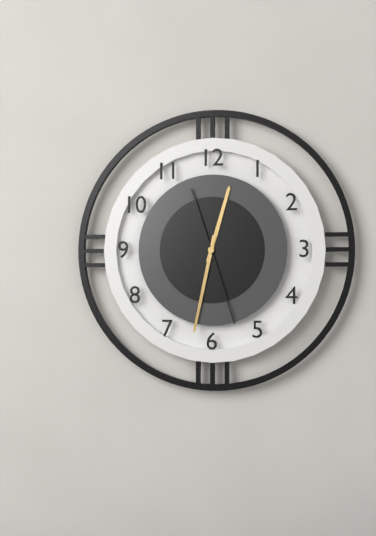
12:32:27
